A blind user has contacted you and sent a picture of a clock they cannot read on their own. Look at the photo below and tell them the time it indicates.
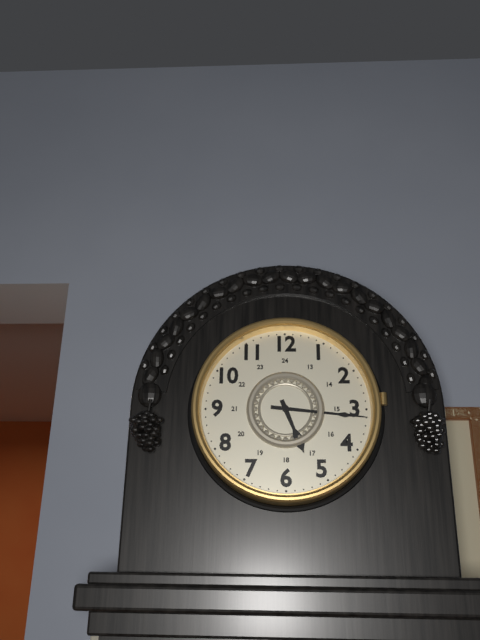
5:16
